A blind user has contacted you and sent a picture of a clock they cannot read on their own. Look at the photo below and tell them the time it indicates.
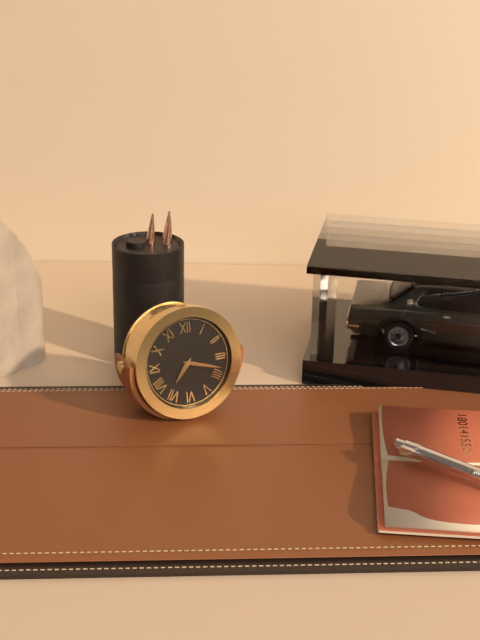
7:18
